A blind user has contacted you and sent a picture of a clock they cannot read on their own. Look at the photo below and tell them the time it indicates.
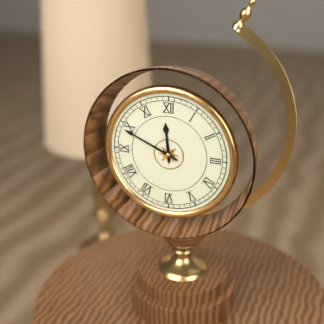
11:49
